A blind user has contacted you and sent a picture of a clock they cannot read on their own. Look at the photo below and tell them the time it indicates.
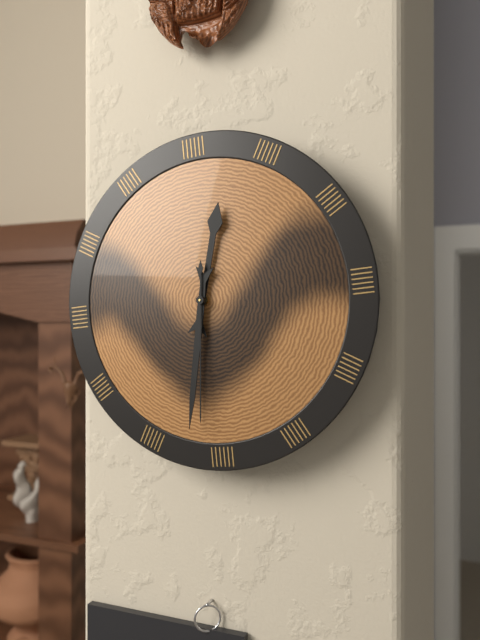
12:32:31
